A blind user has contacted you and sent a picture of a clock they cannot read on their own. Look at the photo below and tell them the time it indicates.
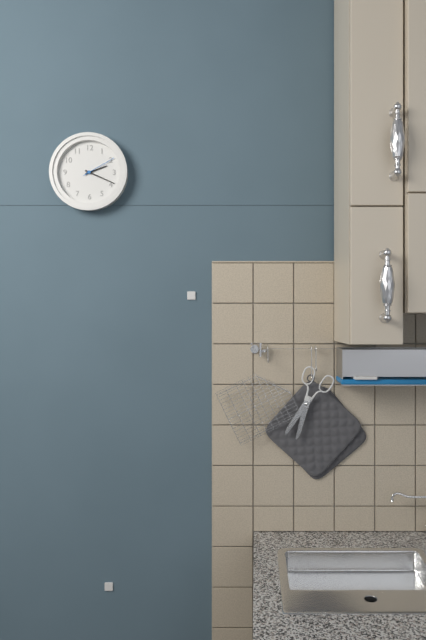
2:19
